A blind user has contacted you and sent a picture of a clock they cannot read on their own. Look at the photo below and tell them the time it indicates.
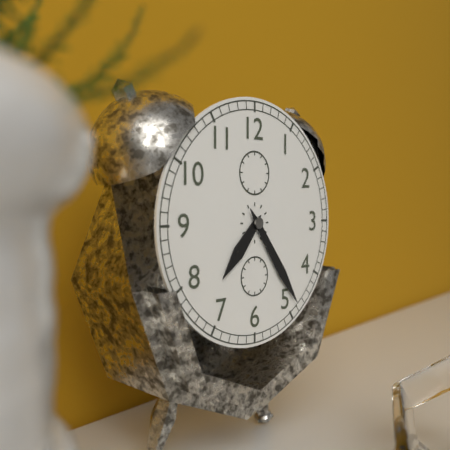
7:24
